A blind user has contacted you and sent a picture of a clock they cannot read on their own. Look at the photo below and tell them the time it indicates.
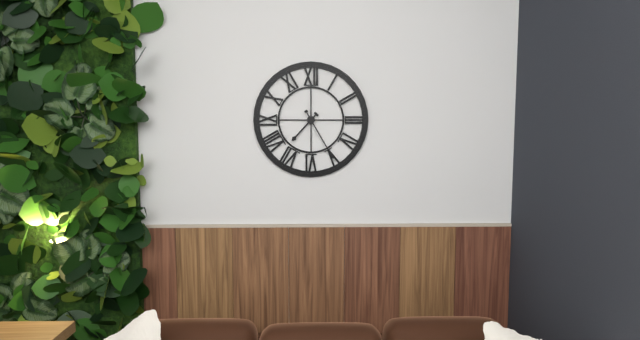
7:25
